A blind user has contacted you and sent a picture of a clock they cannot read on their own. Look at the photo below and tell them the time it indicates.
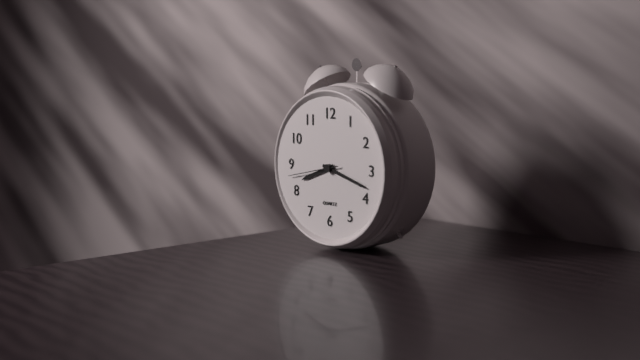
8:18:43
